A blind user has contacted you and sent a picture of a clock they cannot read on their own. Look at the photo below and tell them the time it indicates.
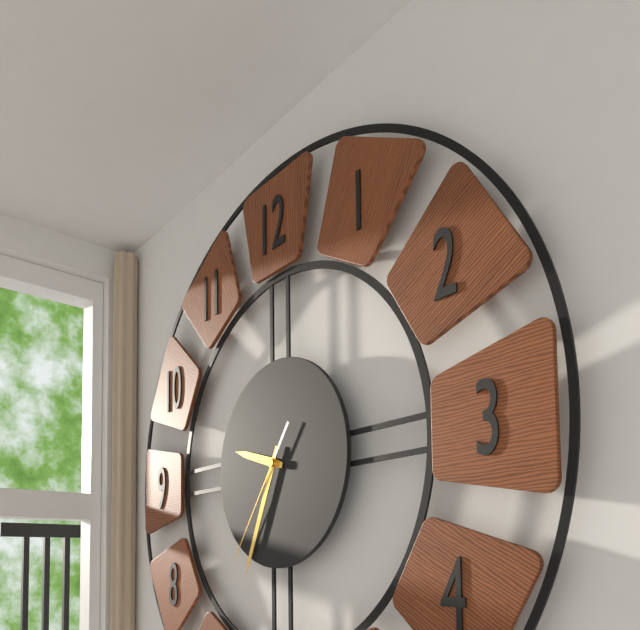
9:34:36
